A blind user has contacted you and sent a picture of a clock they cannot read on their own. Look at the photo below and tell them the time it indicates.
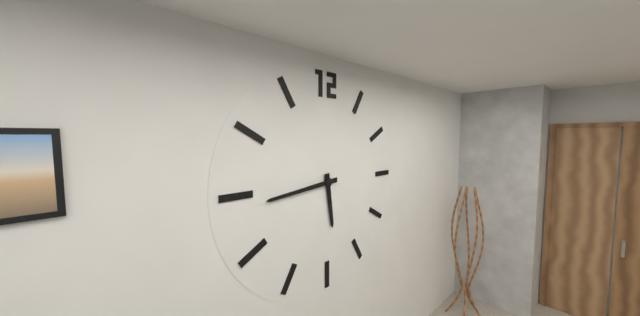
5:44
